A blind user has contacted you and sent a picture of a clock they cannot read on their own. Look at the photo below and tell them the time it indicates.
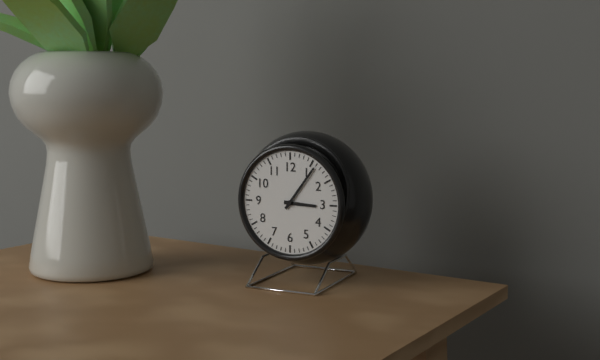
3:06
